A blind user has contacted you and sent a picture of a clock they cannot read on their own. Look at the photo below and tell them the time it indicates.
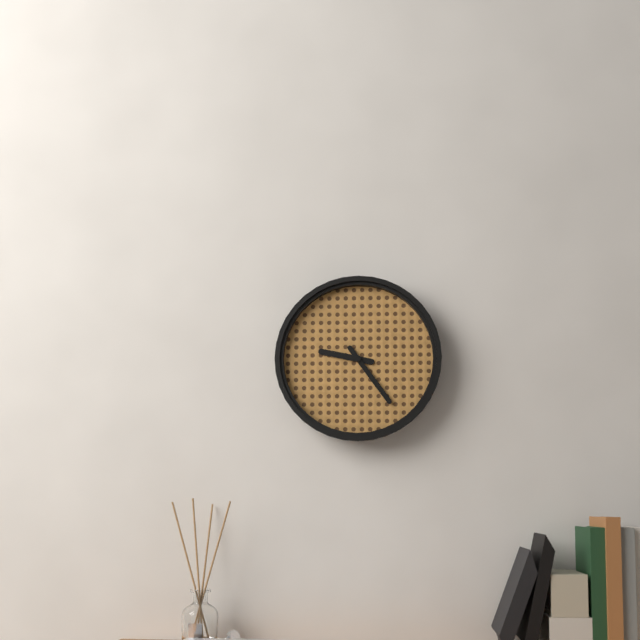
9:24
